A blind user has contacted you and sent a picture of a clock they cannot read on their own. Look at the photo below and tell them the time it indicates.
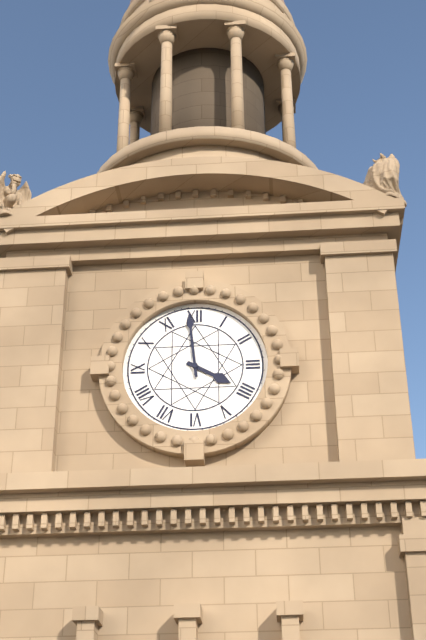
3:59
